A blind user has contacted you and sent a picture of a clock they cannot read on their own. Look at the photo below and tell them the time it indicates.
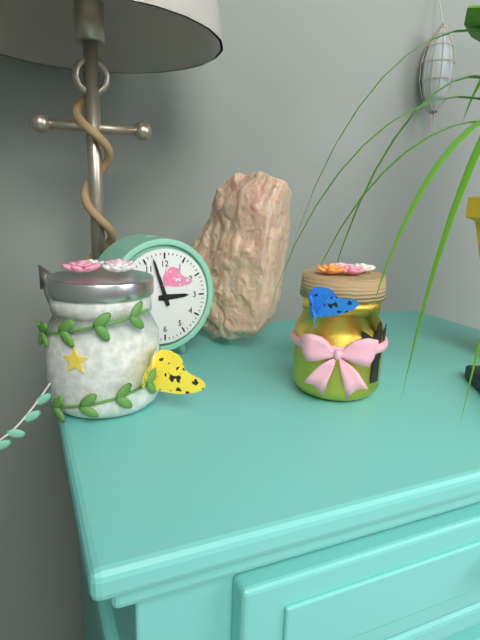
2:57
